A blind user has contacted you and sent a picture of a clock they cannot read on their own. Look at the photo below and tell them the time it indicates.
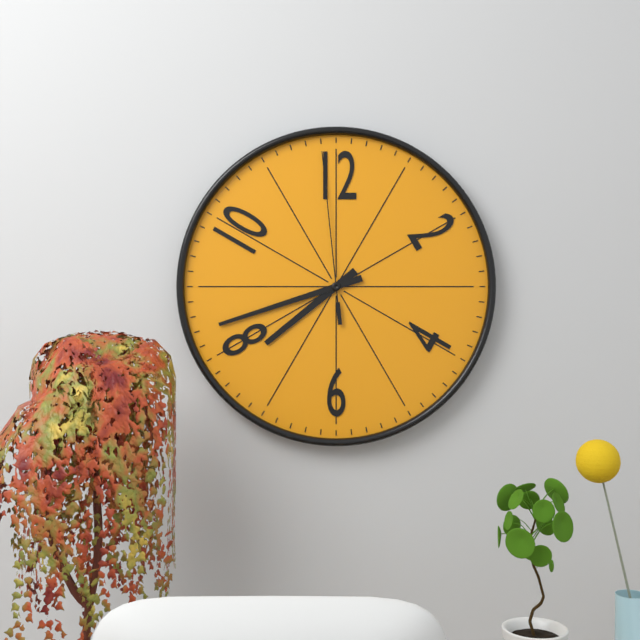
7:42:59
